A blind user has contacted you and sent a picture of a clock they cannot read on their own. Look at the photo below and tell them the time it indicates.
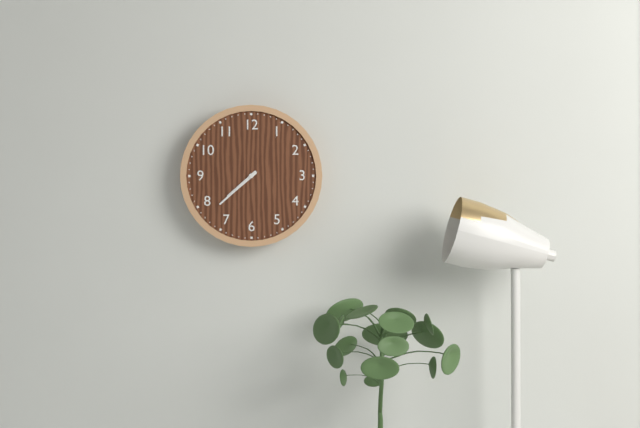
7:38
